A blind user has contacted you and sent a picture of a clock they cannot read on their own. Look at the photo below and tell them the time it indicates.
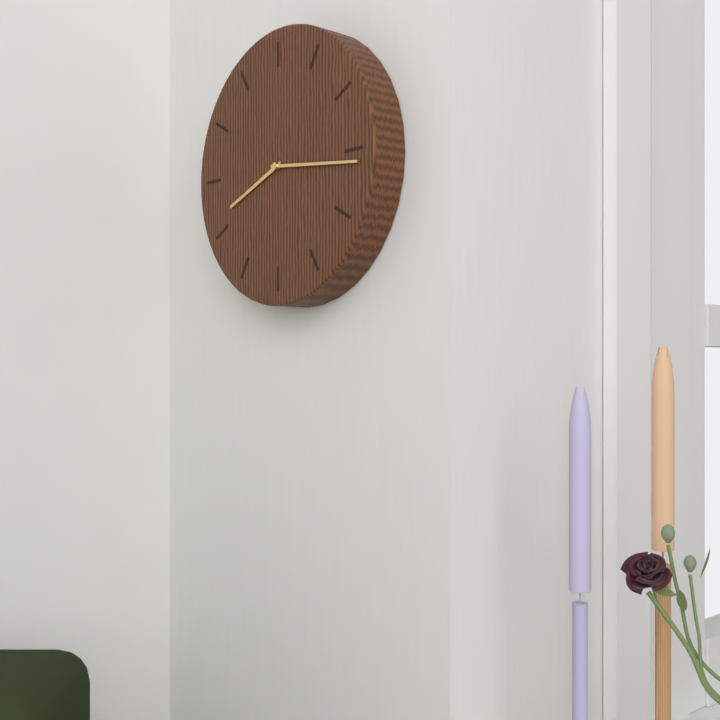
8:16
